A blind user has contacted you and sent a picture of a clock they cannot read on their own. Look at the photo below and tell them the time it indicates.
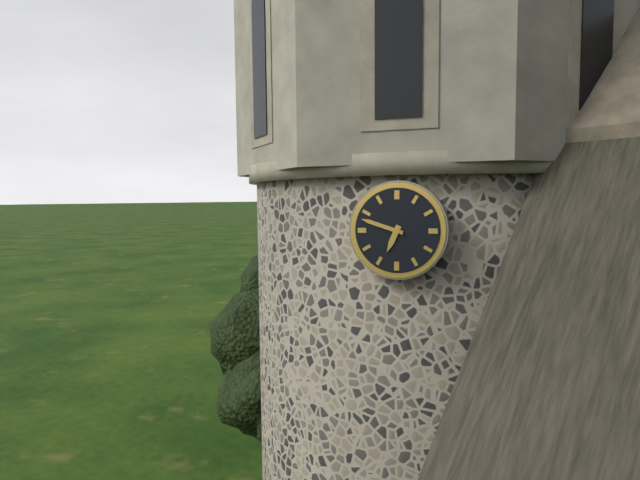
6:48
